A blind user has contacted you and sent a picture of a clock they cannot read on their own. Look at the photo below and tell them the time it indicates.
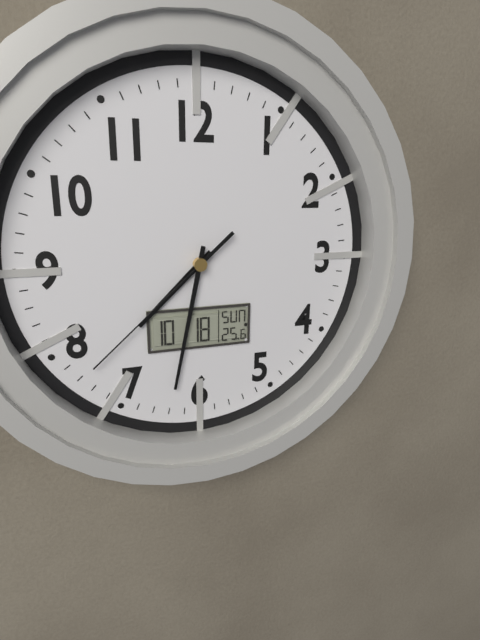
7:32:38
